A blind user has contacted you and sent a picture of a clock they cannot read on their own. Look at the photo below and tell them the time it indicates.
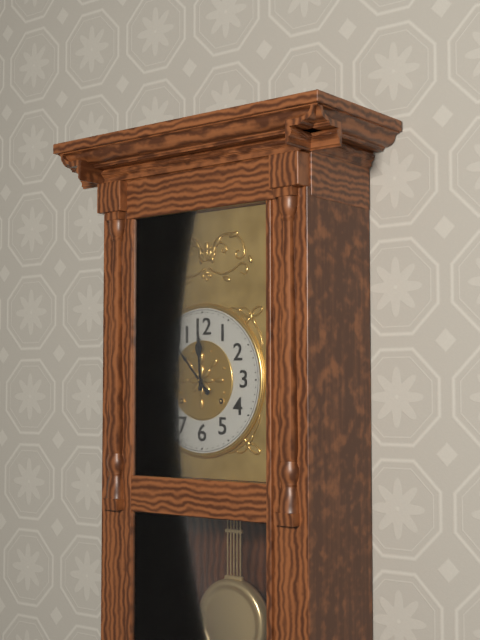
11:53
